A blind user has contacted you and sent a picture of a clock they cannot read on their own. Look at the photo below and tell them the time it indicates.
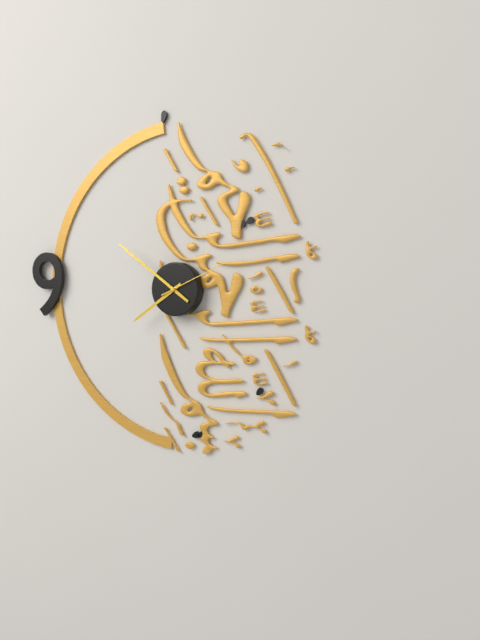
7:51:11
